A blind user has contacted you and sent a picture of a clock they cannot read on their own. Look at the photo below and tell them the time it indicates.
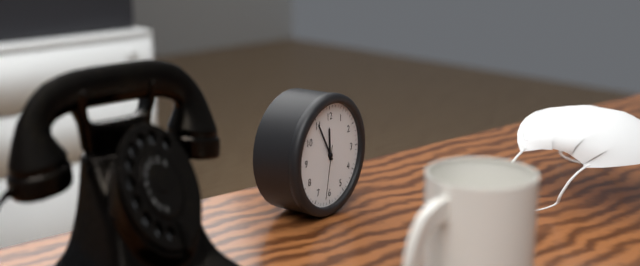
11:55:32
